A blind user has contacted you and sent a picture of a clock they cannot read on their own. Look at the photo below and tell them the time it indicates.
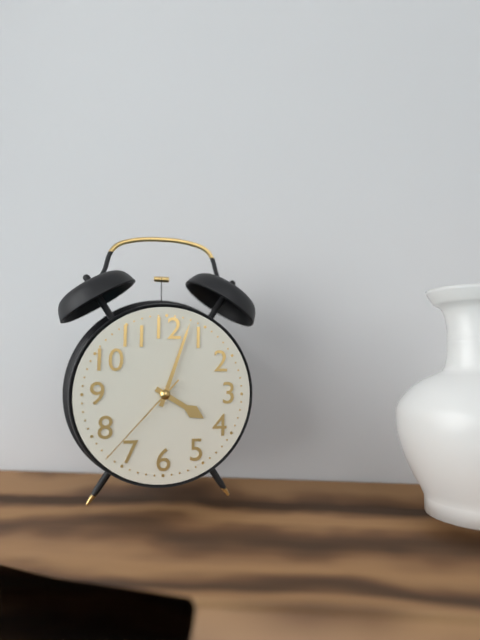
4:03:37
